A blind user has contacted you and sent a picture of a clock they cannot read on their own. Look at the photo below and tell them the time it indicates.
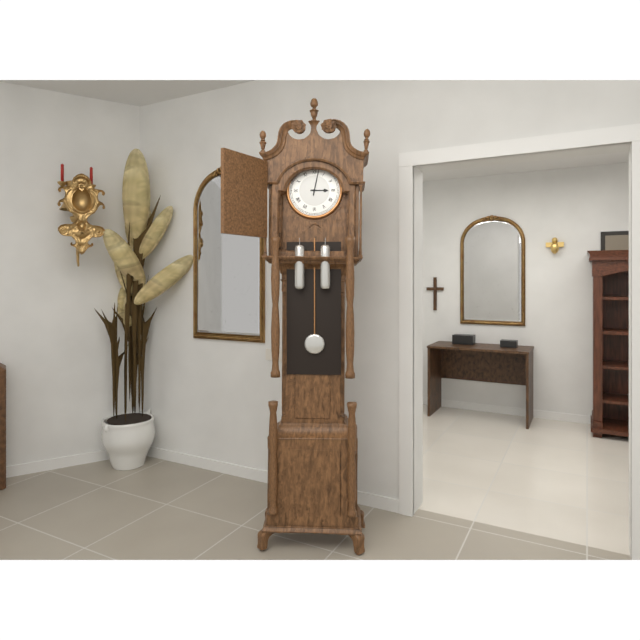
3:02
